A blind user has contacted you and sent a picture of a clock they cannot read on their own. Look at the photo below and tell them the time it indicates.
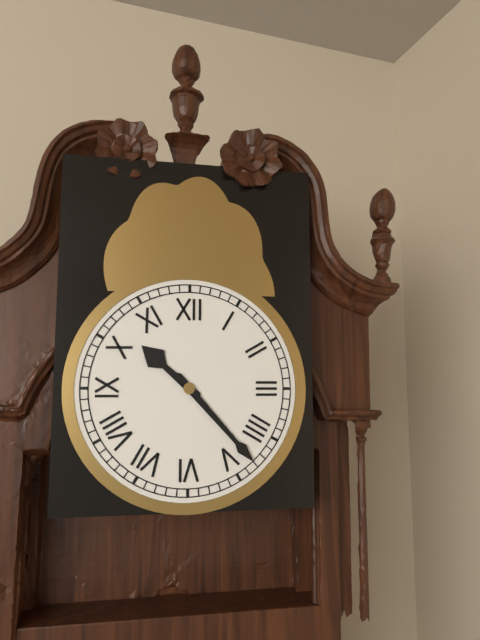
10:23
